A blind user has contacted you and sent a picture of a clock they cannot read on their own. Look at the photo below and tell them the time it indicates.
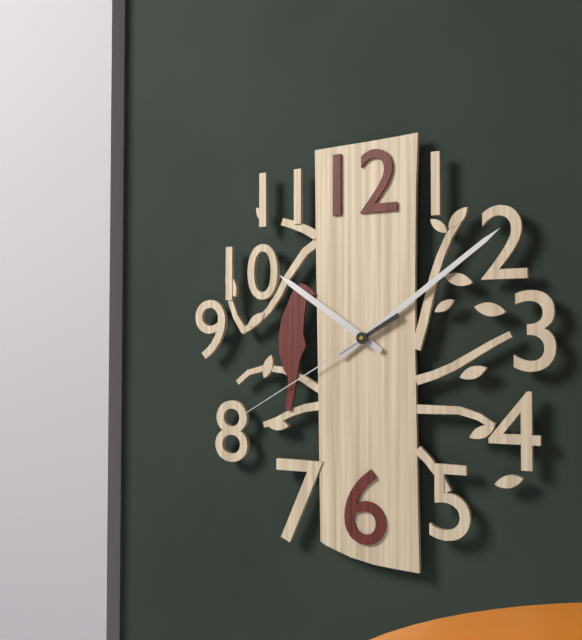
10:09:40
